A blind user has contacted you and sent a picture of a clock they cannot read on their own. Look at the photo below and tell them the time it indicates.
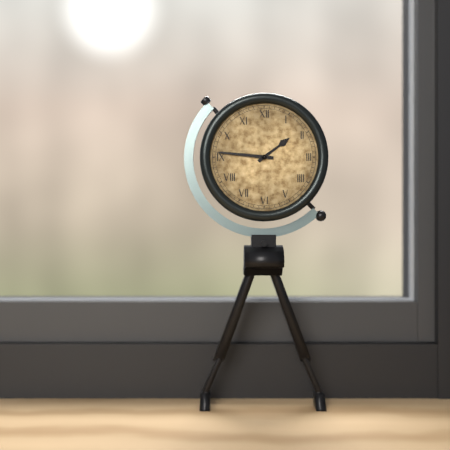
1:46
